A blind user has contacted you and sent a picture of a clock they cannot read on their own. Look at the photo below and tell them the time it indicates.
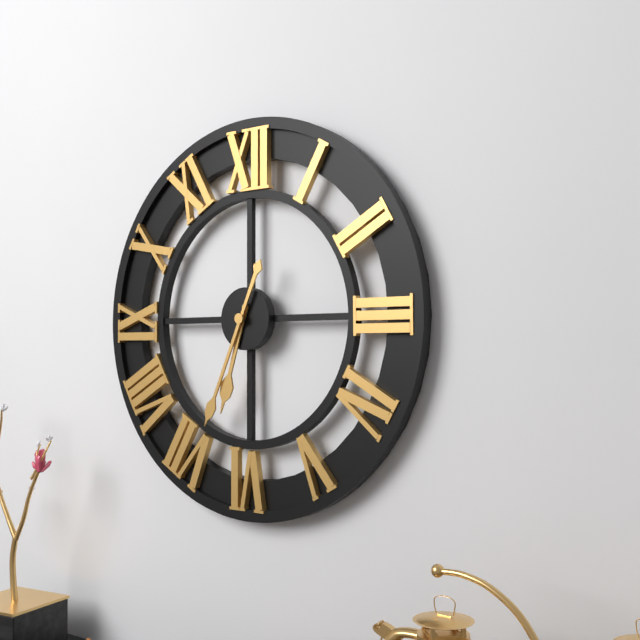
6:34
